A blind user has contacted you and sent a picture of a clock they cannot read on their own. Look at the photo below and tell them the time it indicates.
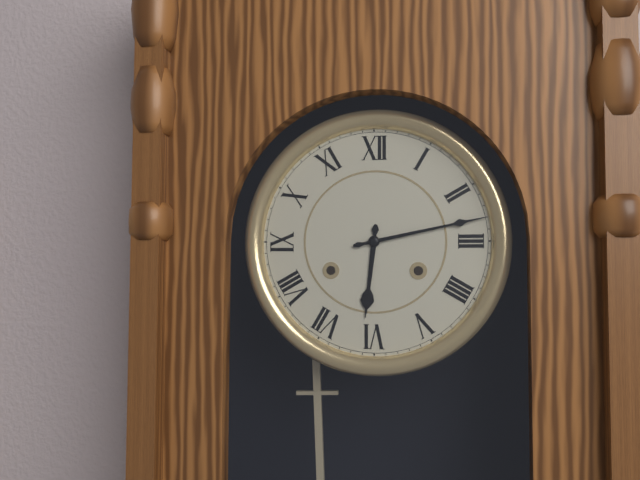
6:13
